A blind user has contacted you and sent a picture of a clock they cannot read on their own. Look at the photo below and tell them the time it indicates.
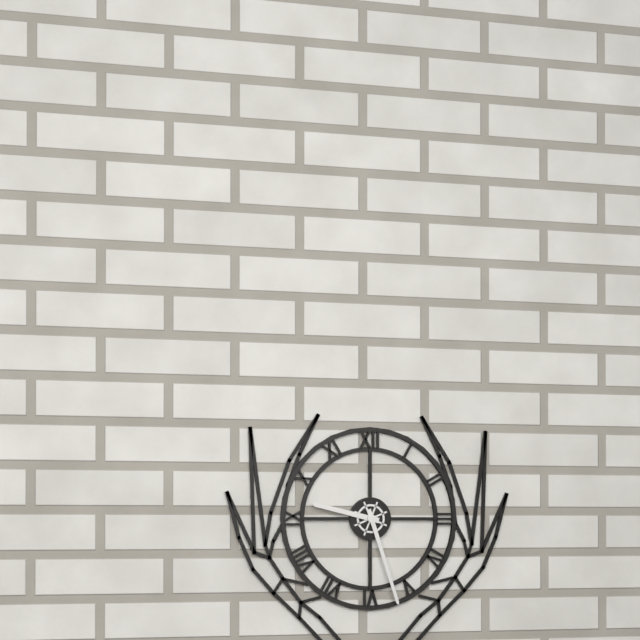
9:27
